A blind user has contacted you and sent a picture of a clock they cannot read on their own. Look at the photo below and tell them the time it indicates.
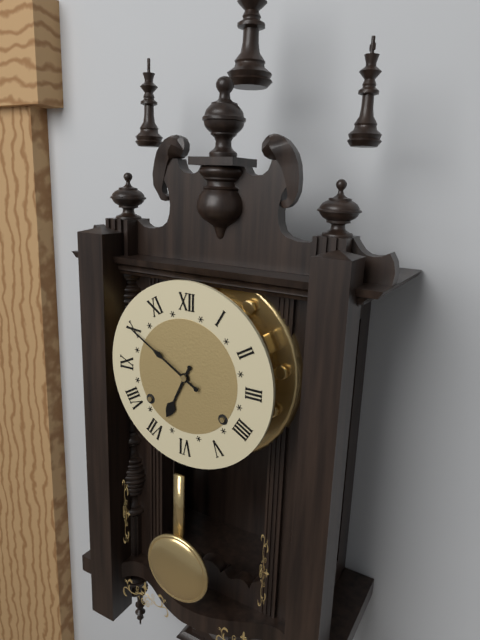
6:50
